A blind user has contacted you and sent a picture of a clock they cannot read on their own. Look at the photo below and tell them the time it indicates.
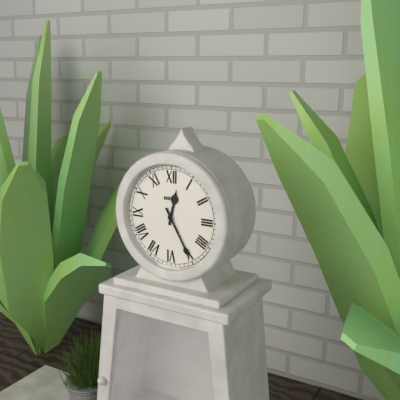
12:25
